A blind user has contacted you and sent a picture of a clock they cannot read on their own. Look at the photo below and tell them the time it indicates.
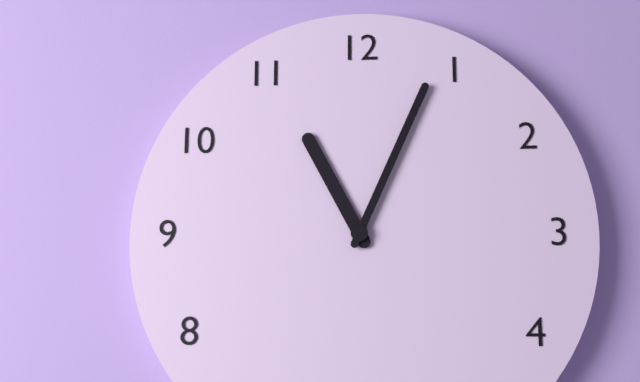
11:04
